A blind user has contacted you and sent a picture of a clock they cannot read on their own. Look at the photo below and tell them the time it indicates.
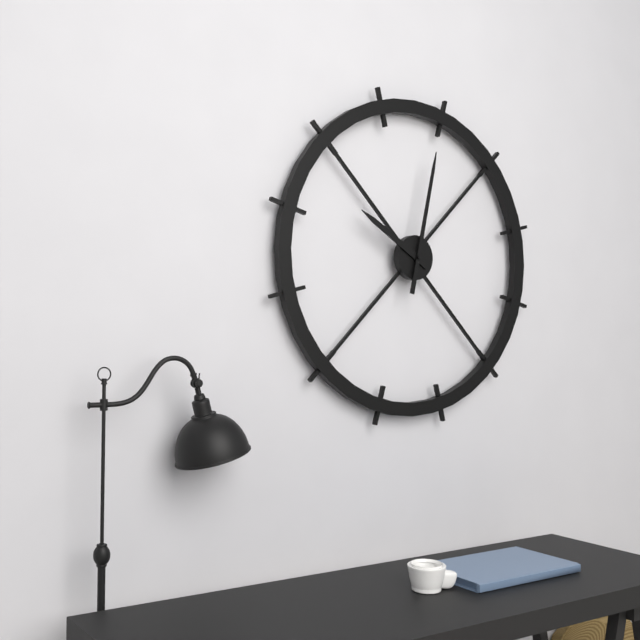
10:02
